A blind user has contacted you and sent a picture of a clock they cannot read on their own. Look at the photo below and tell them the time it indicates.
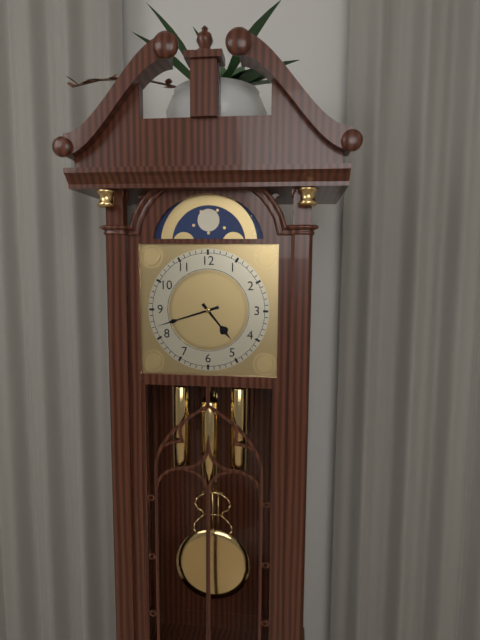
4:42
